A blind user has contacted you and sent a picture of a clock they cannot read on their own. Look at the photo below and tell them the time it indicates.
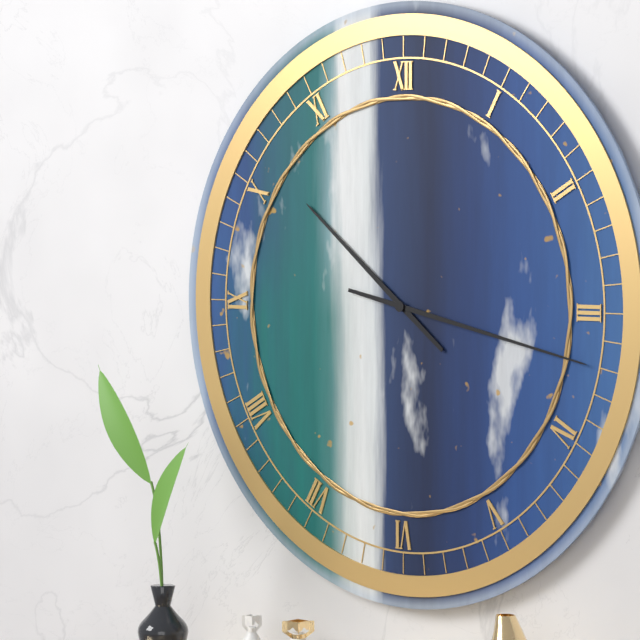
10:17
